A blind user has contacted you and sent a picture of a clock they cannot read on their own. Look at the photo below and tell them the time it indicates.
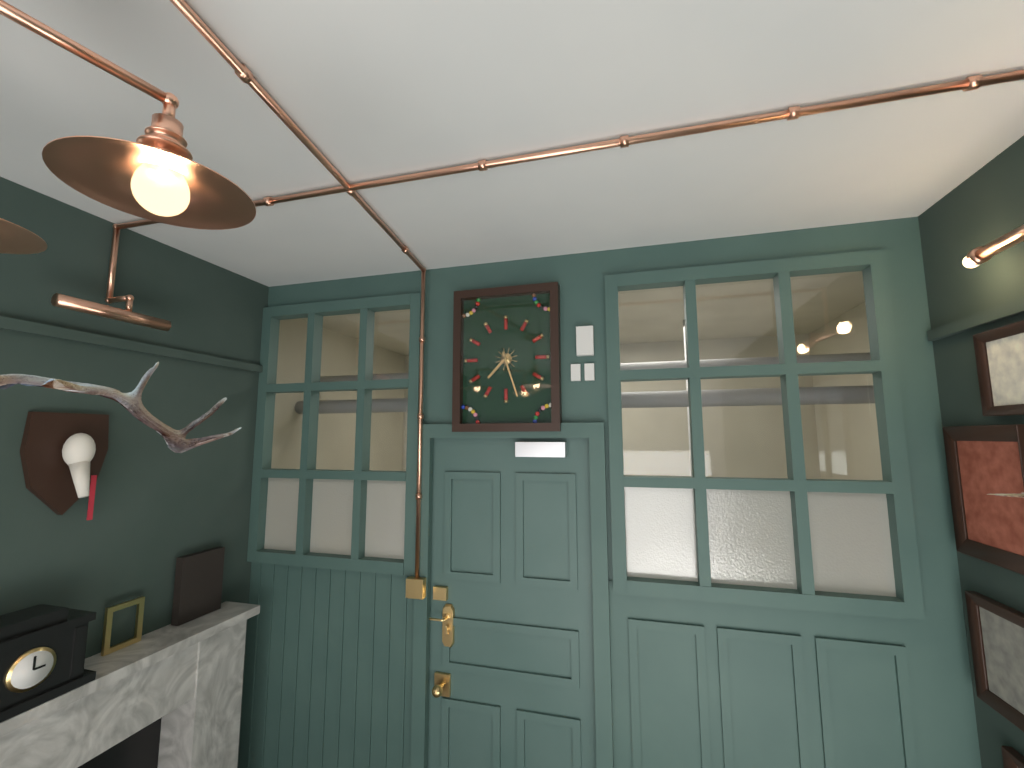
7:27
